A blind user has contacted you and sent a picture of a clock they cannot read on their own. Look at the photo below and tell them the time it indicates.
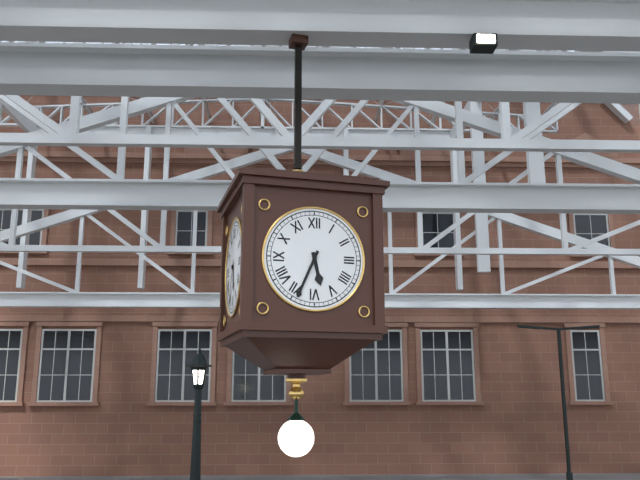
5:34
